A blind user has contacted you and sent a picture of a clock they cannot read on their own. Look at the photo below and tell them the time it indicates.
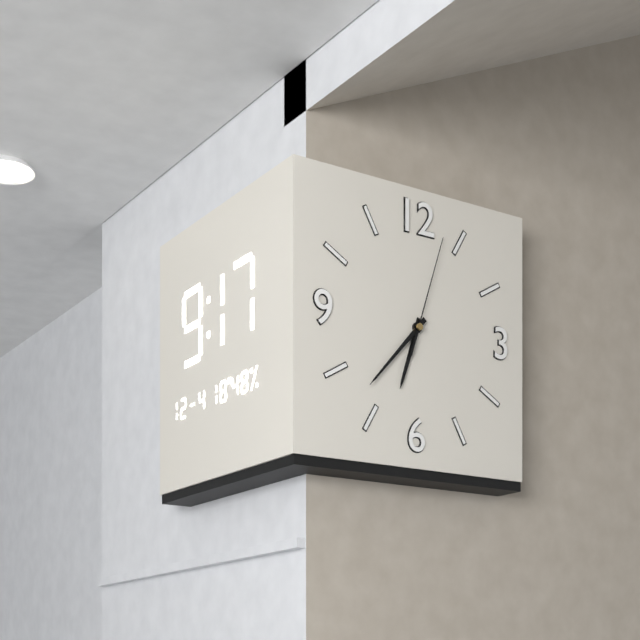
6:37:03
